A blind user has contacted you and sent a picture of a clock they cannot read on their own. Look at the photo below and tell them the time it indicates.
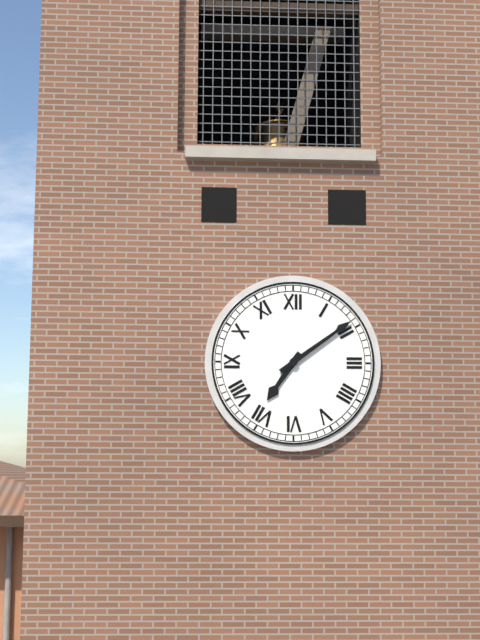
7:09
